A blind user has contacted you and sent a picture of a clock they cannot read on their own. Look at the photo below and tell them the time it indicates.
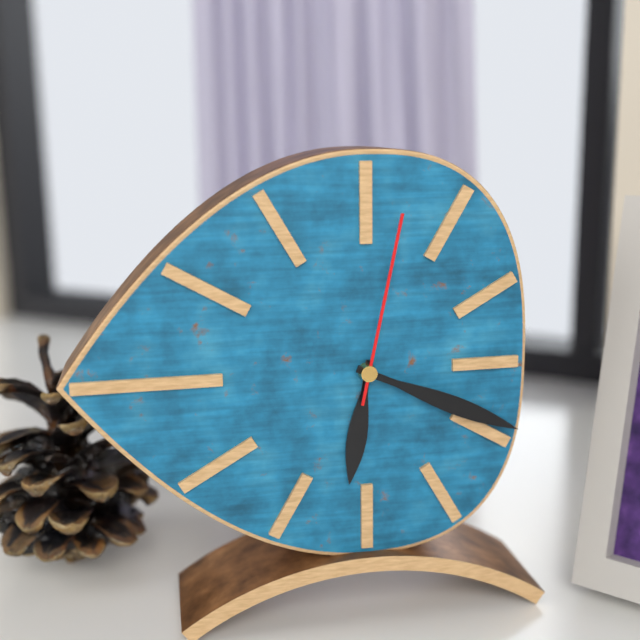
6:19:02
